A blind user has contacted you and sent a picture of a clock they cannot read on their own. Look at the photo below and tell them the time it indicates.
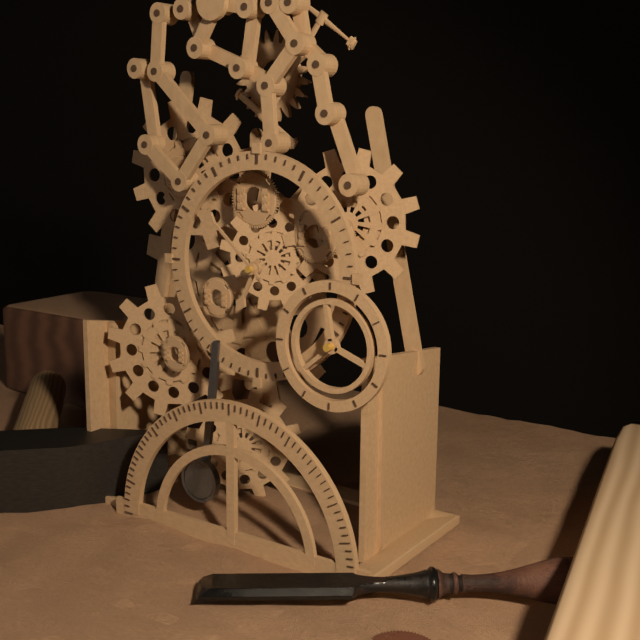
6:52
